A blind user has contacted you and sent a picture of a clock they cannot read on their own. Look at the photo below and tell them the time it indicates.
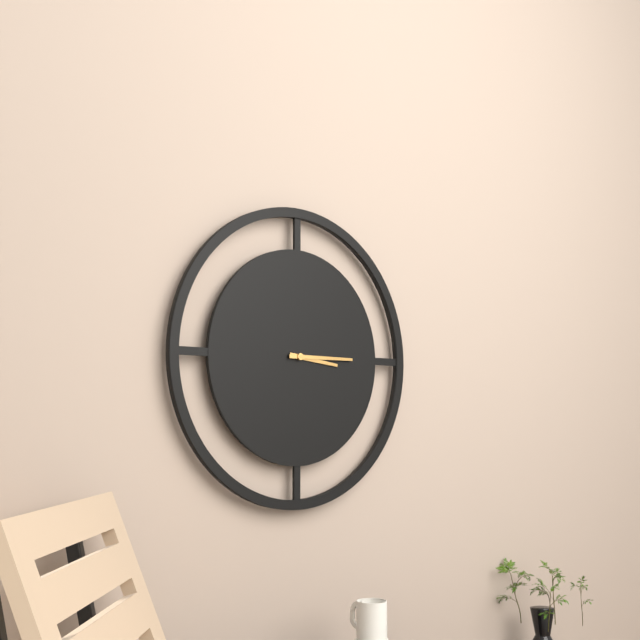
3:15
